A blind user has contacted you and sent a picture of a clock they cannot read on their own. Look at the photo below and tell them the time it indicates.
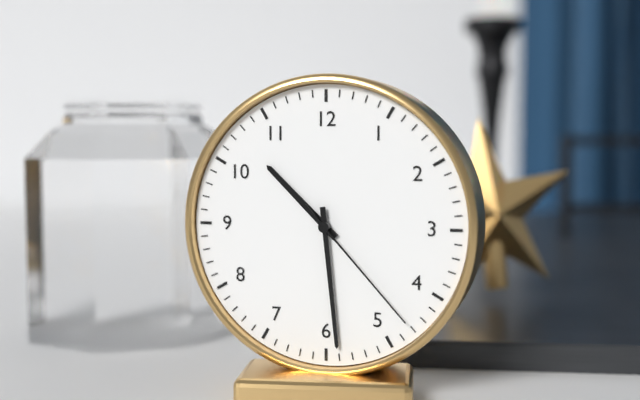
10:29:23
